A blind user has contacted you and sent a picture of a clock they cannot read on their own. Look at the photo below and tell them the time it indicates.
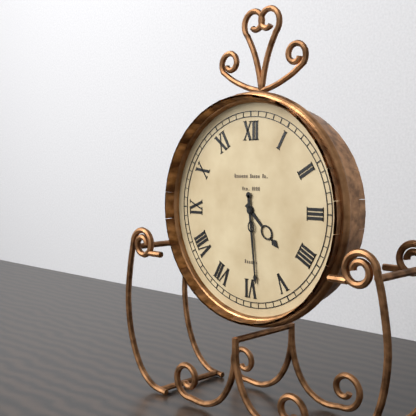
4:29
